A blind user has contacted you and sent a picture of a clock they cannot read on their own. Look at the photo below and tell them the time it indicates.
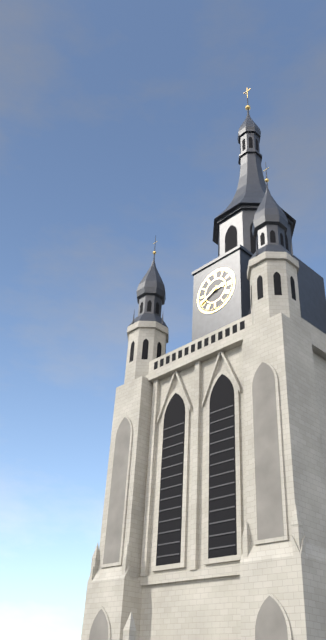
2:41
